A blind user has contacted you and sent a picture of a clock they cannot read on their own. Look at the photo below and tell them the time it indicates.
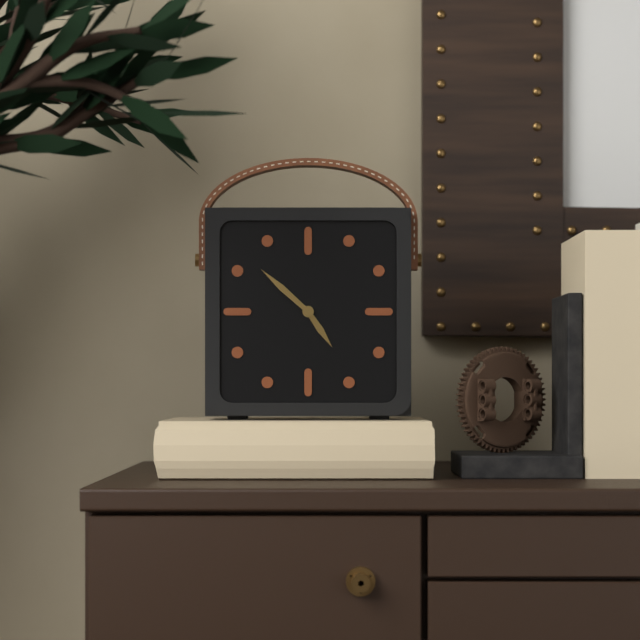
4:52
